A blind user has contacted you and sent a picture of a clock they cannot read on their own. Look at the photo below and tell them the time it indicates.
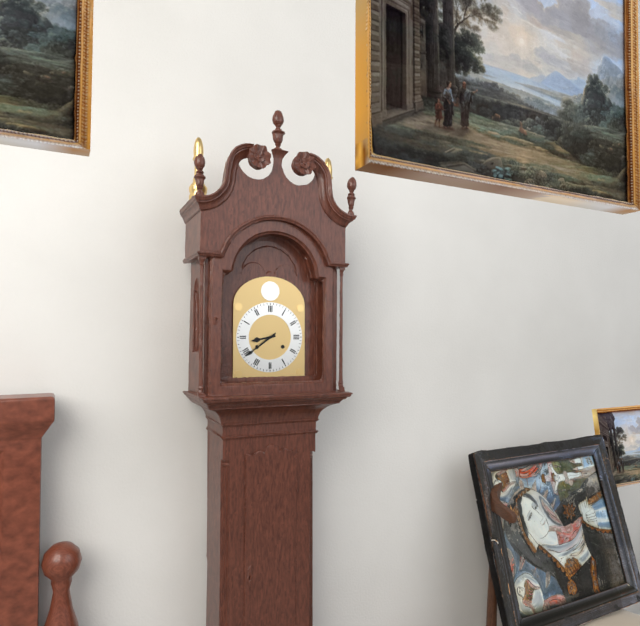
8:39
